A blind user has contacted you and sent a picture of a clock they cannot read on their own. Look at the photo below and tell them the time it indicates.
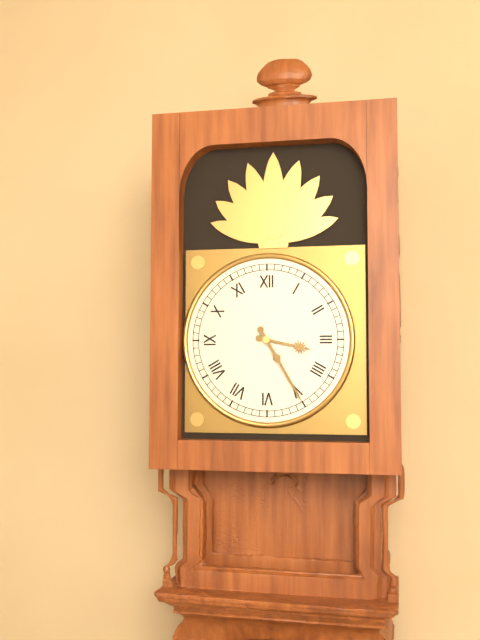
3:25
